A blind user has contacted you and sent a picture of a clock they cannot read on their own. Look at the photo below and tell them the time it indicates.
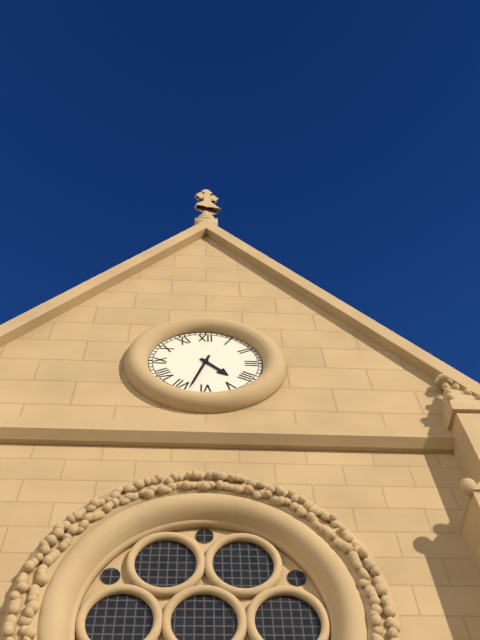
4:33
